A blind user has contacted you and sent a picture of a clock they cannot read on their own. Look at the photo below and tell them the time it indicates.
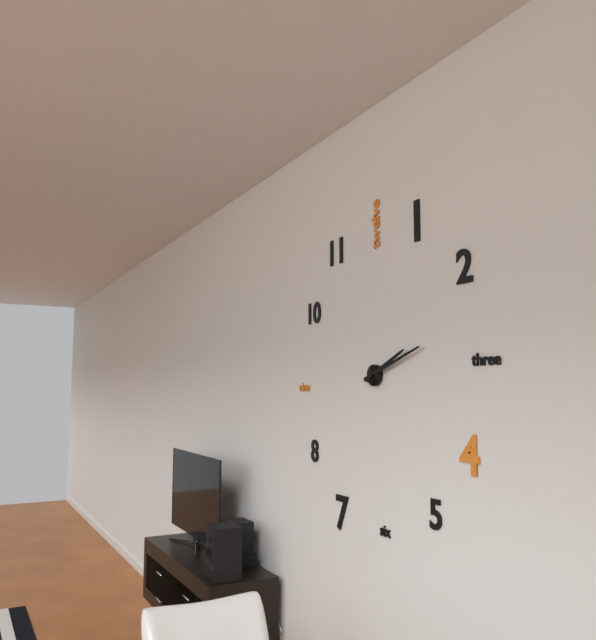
2:12
